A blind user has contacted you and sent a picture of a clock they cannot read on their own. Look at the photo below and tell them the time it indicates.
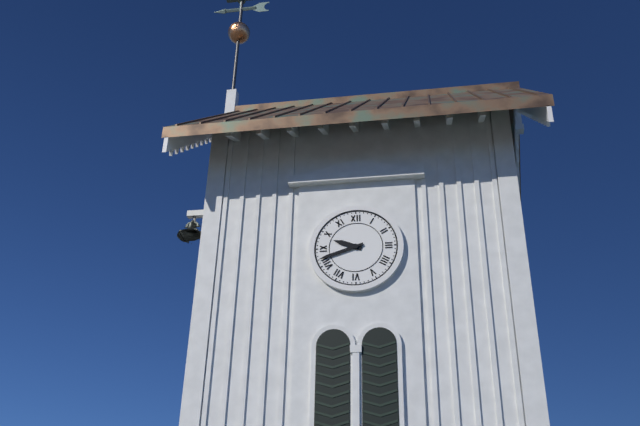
9:42
